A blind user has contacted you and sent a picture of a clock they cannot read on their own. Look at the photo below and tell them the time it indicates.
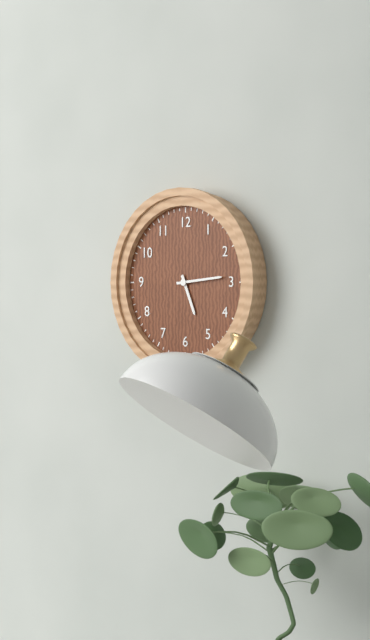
5:14
